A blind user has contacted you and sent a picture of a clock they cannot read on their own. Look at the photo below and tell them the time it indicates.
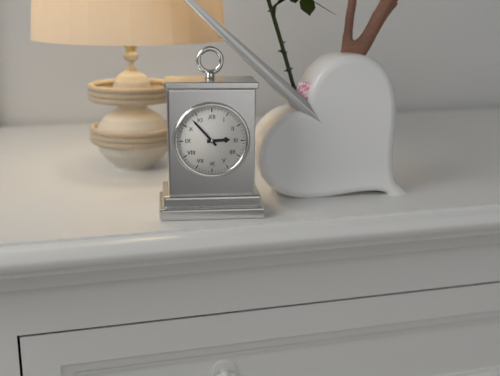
2:53
